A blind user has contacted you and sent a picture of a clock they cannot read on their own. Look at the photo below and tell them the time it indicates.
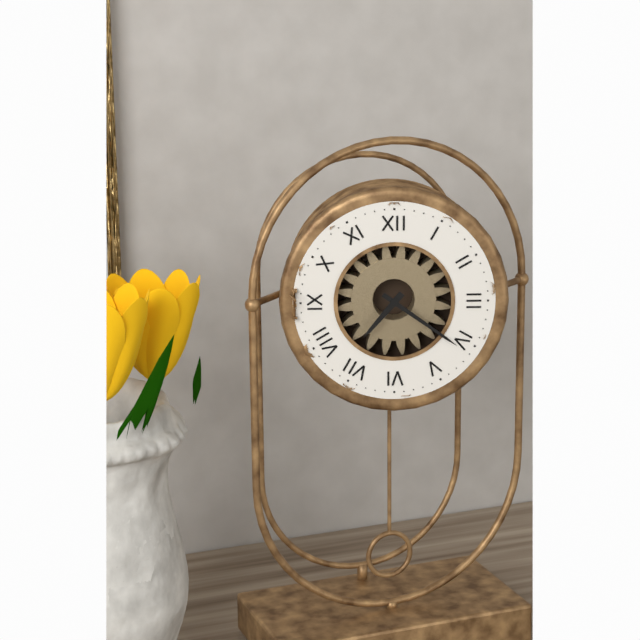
7:21
